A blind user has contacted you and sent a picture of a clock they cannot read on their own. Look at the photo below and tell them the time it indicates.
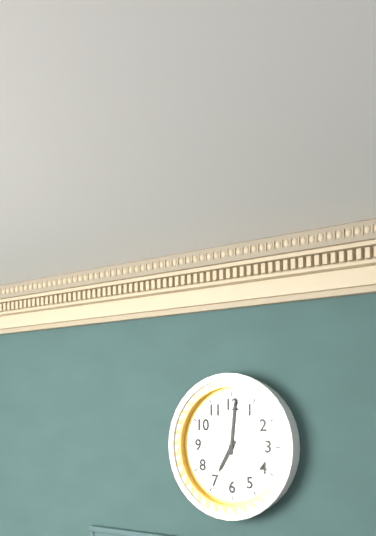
7:01
